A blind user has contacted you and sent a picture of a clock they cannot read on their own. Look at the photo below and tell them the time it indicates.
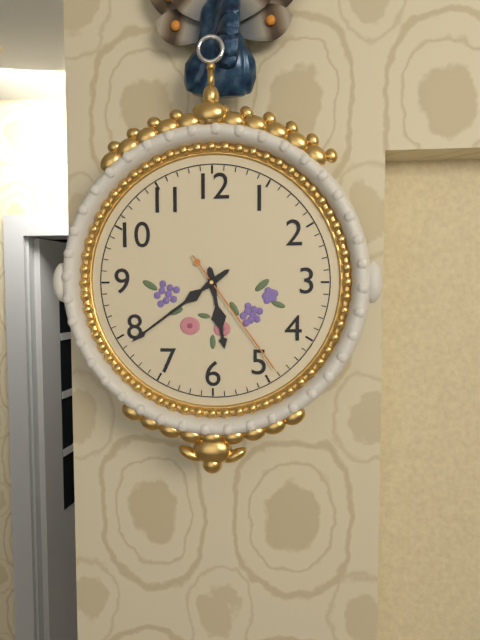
5:39:24
